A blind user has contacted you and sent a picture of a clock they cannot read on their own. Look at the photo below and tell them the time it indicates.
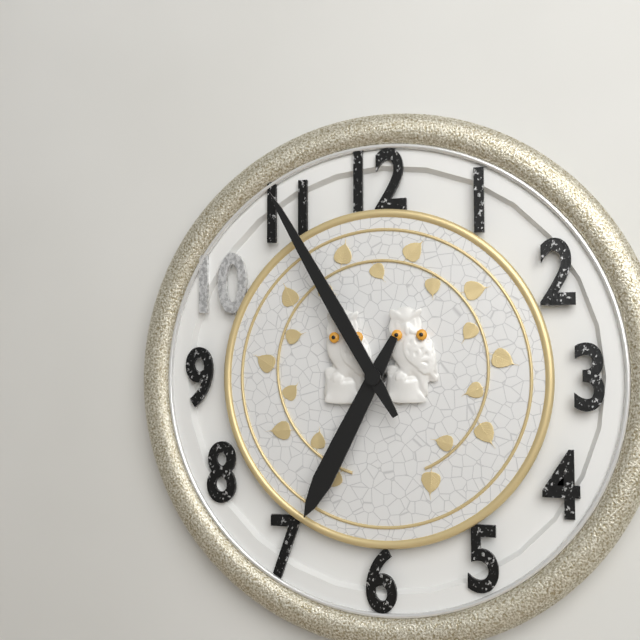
6:55
